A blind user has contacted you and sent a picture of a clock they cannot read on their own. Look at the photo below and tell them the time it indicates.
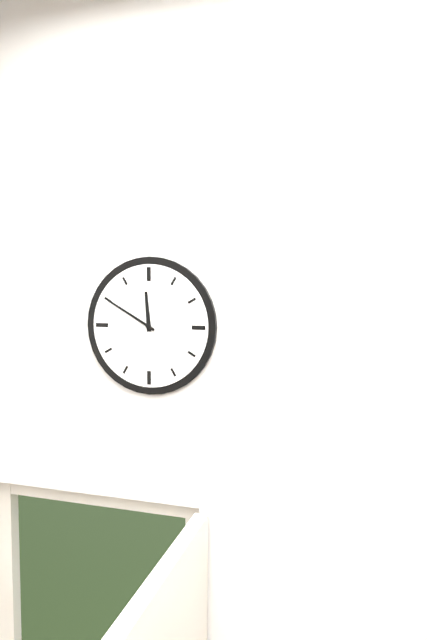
11:50
